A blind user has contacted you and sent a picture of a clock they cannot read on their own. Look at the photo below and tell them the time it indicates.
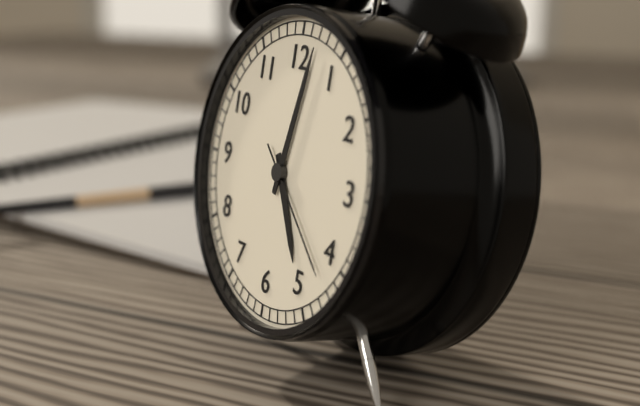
5:02:22
